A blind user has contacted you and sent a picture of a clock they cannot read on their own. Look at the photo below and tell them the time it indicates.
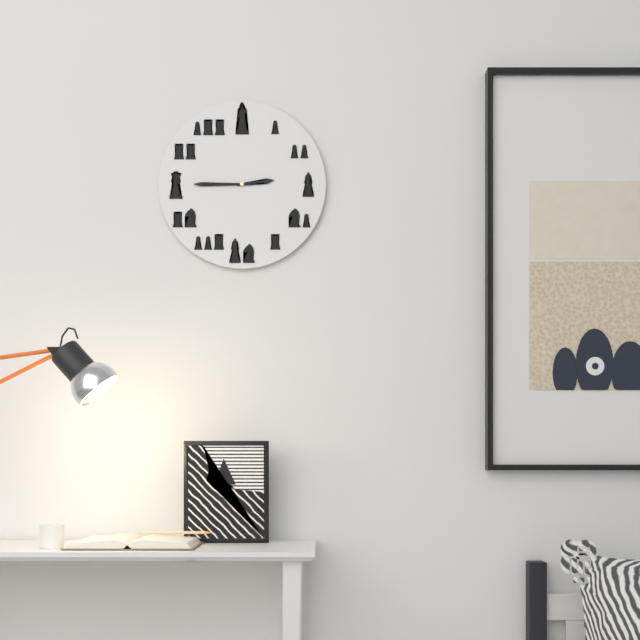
2:45
